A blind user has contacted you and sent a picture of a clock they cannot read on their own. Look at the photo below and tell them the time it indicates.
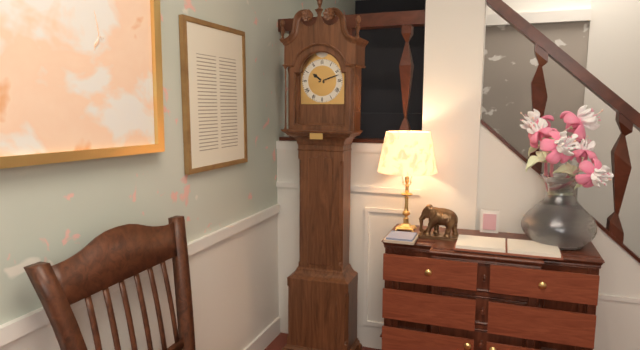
10:12
